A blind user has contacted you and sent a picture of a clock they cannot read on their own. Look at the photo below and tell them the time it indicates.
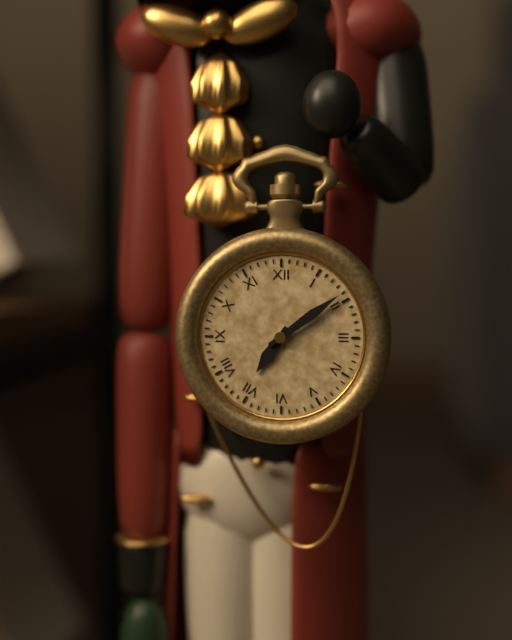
7:09
